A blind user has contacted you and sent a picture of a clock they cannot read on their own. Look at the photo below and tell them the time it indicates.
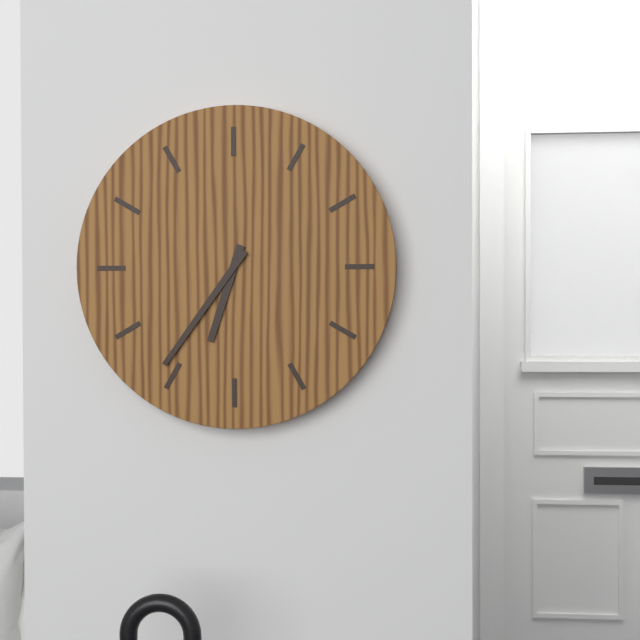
6:36
